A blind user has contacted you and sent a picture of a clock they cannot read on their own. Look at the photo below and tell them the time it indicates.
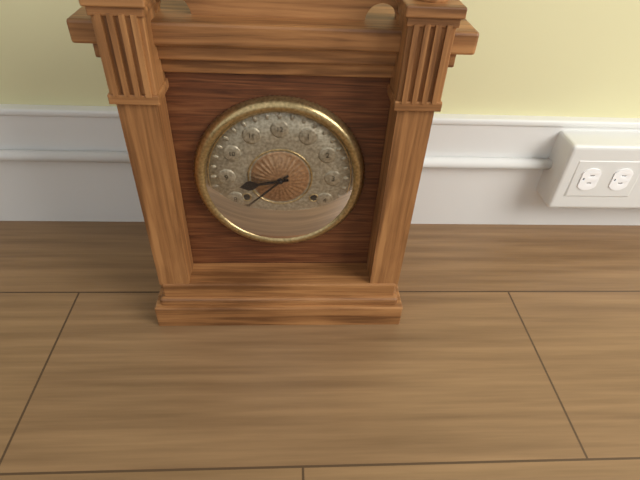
8:38
